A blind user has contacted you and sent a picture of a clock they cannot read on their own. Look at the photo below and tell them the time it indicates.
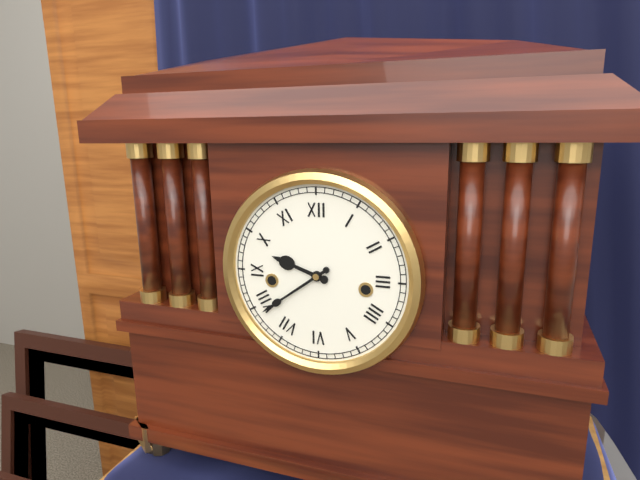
9:39
